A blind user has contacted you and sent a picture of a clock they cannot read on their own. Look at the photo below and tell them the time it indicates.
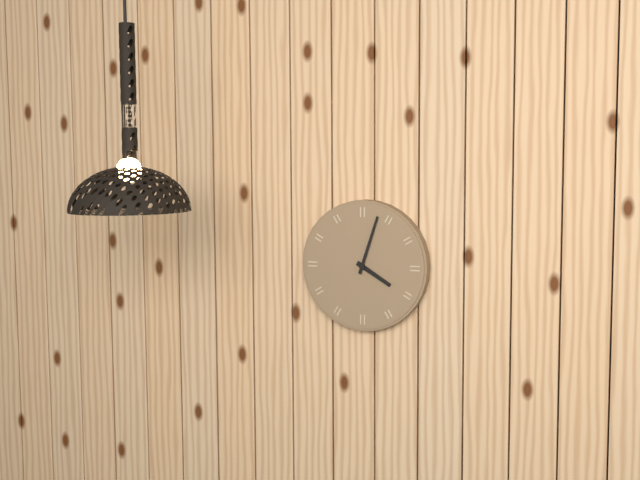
4:03
